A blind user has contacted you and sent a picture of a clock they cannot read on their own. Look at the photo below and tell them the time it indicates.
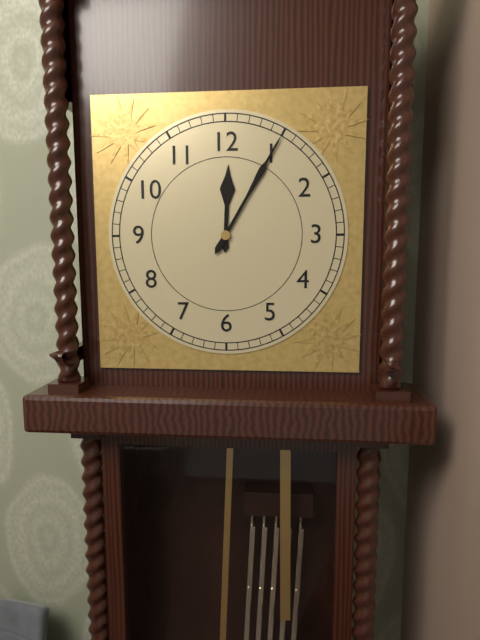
12:05
